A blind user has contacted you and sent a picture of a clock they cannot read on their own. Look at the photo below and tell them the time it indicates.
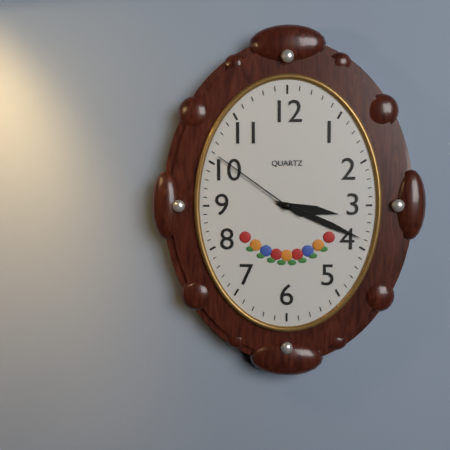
3:19:51
